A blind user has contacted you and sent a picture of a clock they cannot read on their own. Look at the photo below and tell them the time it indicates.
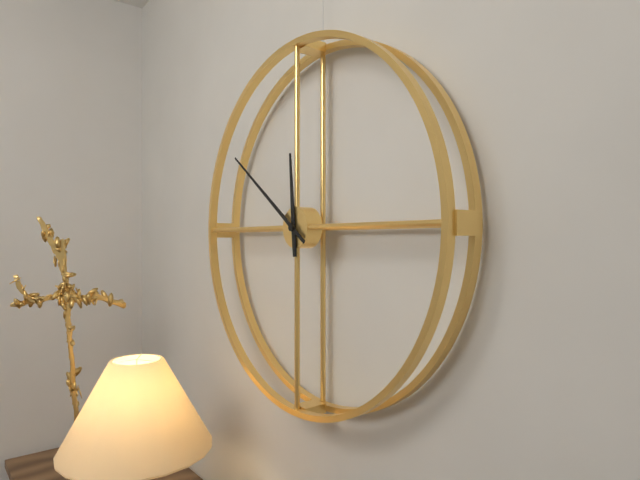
11:51
